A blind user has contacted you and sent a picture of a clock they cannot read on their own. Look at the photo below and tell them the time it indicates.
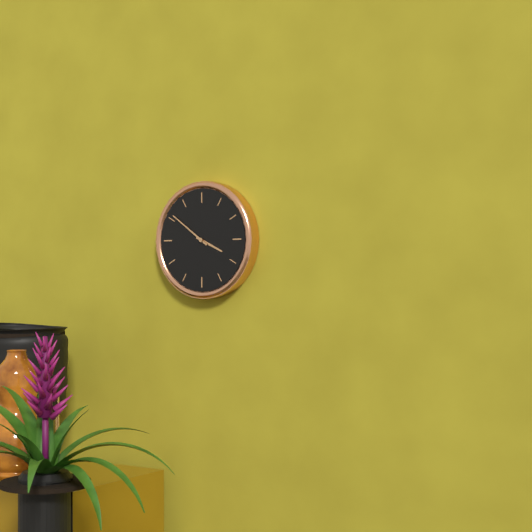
3:51
